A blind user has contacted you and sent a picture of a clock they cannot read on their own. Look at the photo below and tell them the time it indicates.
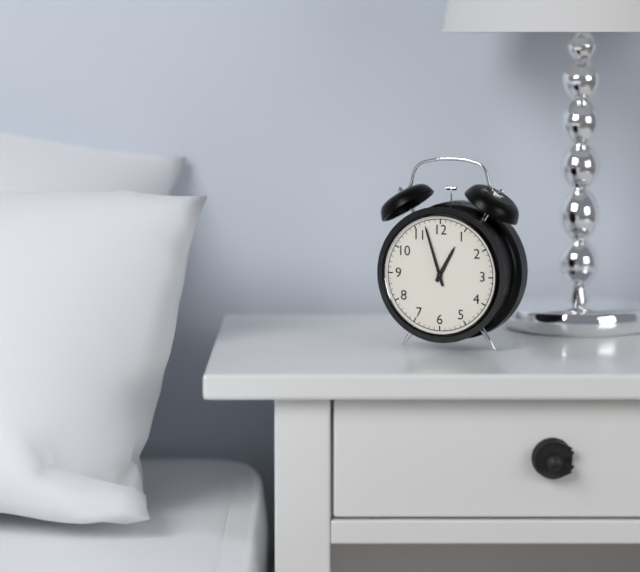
12:57
